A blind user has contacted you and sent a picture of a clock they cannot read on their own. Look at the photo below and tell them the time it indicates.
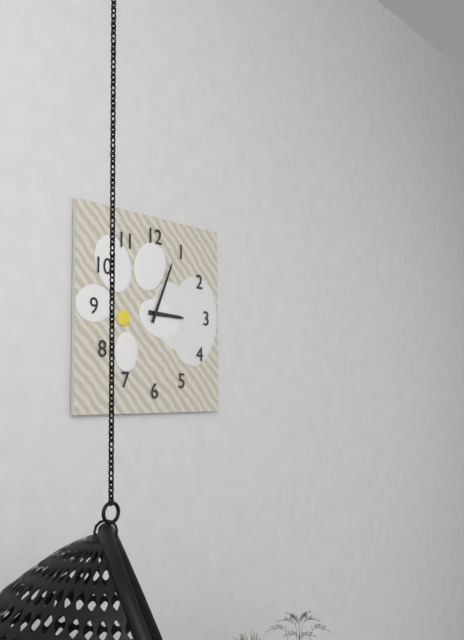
3:04
